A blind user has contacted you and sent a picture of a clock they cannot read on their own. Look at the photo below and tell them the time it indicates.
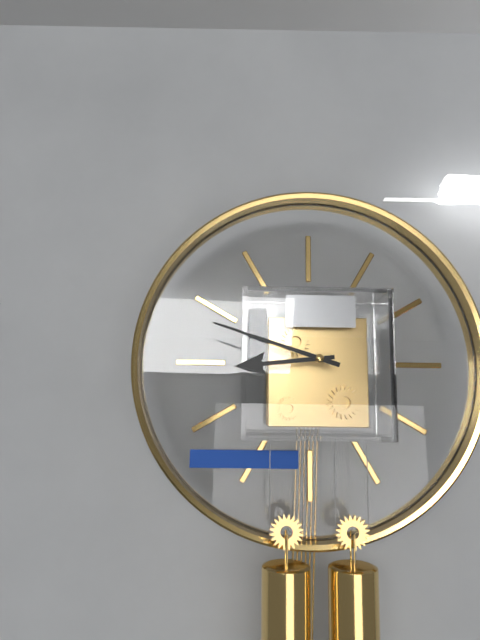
8:48
